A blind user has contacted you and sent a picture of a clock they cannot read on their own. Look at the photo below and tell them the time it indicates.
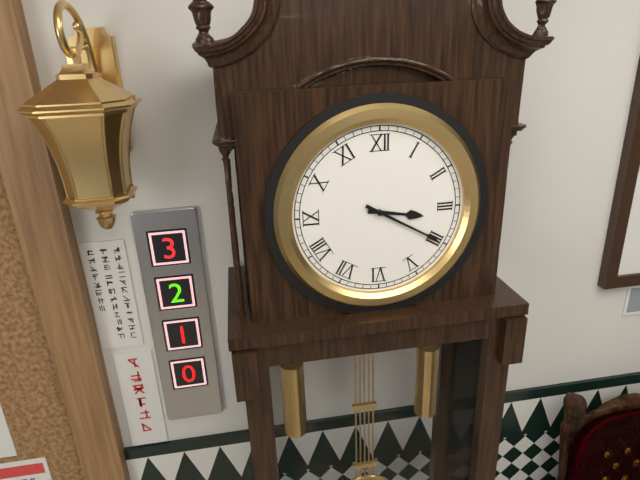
3:20
